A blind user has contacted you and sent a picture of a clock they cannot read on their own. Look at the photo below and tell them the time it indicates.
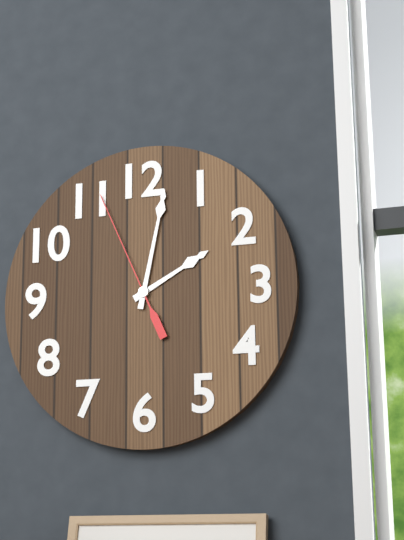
2:02:56
